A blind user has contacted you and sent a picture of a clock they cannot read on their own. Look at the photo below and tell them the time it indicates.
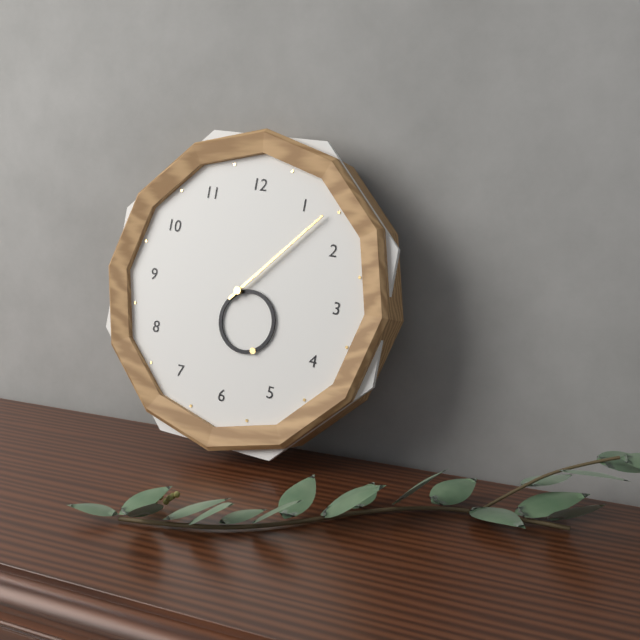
5:07
